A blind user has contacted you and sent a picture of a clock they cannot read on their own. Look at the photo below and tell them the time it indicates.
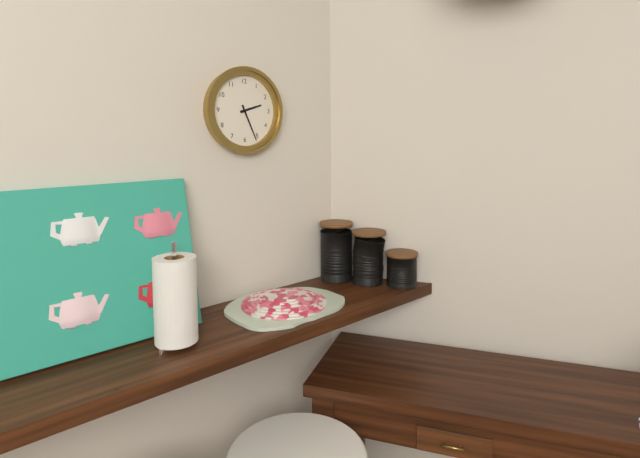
2:26
